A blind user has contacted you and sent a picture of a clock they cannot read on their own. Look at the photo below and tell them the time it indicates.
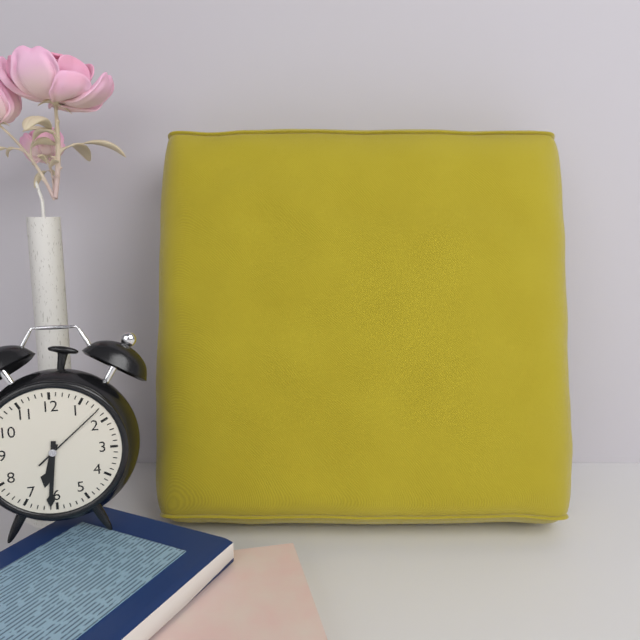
6:31:08
